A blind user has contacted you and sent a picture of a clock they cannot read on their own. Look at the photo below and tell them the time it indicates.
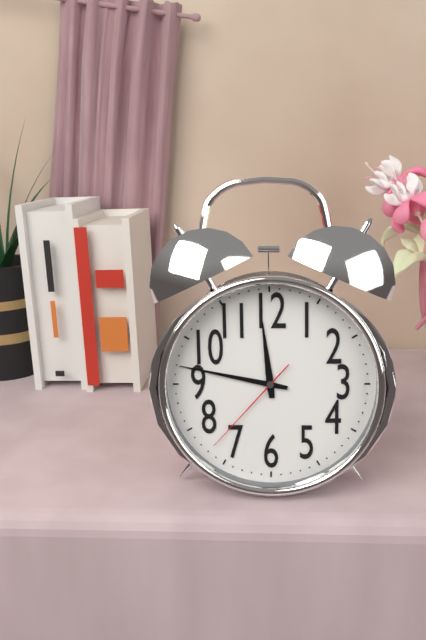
11:47:37
